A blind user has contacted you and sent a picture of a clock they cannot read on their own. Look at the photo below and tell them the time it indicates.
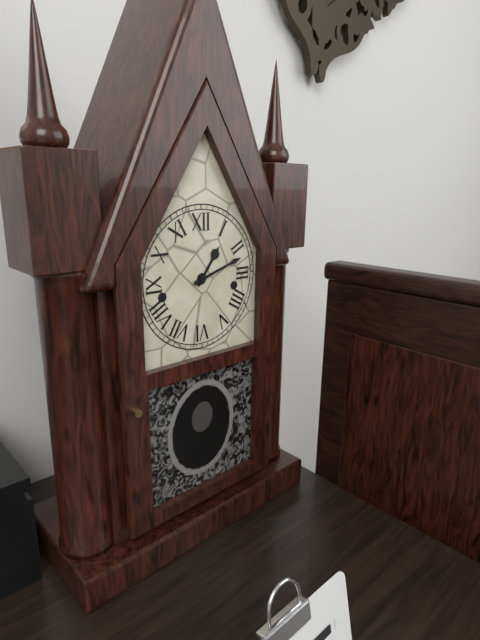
1:12
